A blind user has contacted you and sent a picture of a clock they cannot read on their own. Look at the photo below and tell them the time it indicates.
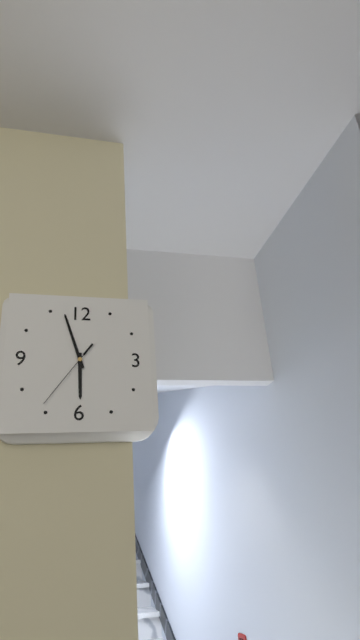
5:57:36
